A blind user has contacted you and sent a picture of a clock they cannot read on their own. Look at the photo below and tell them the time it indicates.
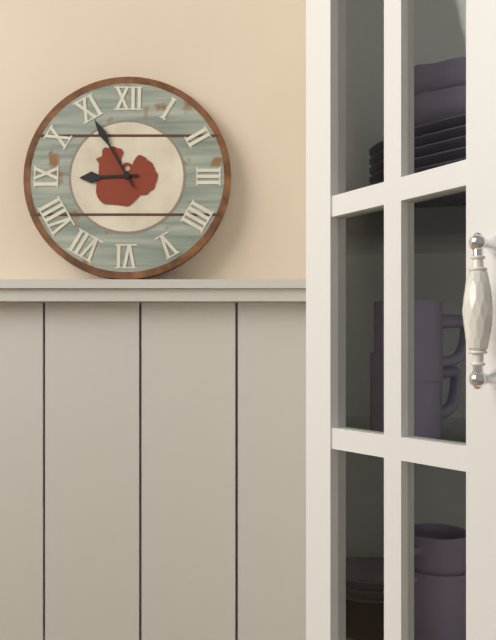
8:55
